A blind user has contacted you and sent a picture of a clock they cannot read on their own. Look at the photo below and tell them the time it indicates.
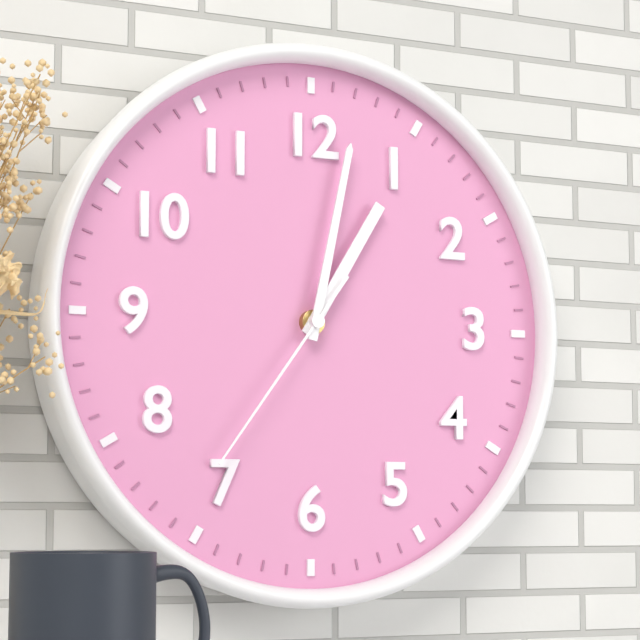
1:02:36
